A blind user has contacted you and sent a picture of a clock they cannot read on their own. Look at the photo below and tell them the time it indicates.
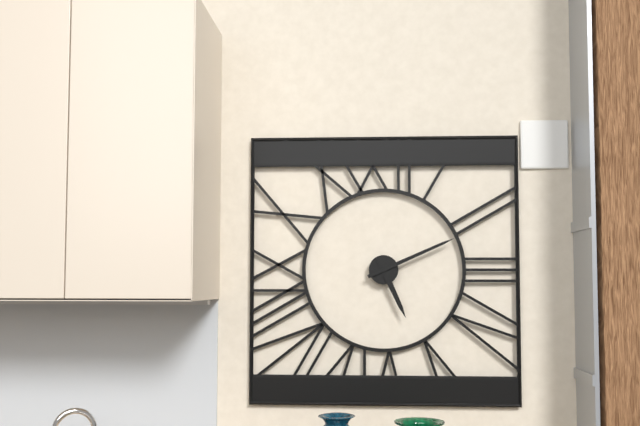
5:11
